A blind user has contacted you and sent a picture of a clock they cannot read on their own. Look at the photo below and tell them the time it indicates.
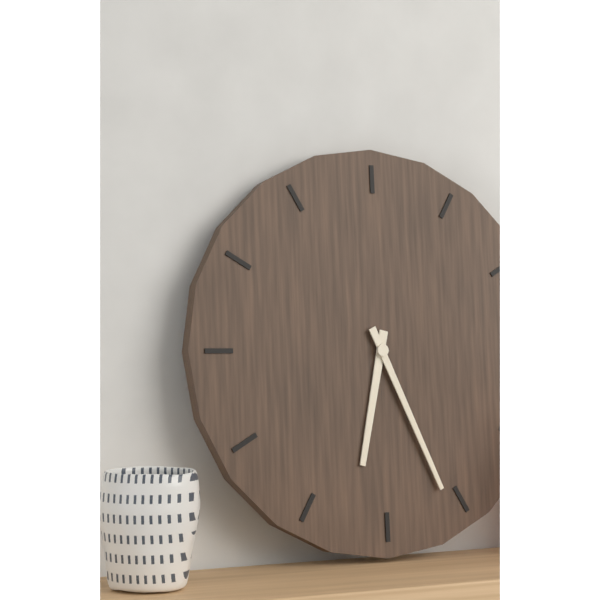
6:26
